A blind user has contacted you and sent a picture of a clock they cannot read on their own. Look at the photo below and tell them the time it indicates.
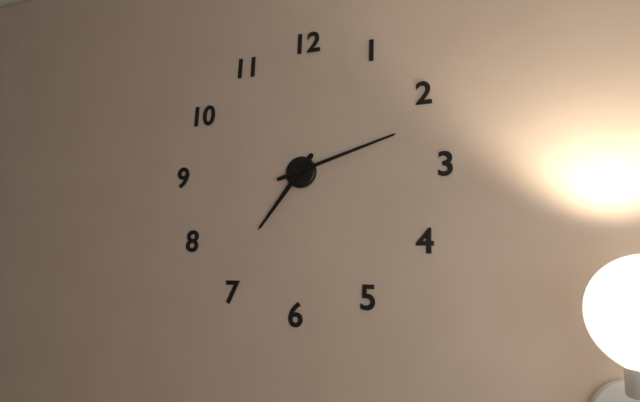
7:12
